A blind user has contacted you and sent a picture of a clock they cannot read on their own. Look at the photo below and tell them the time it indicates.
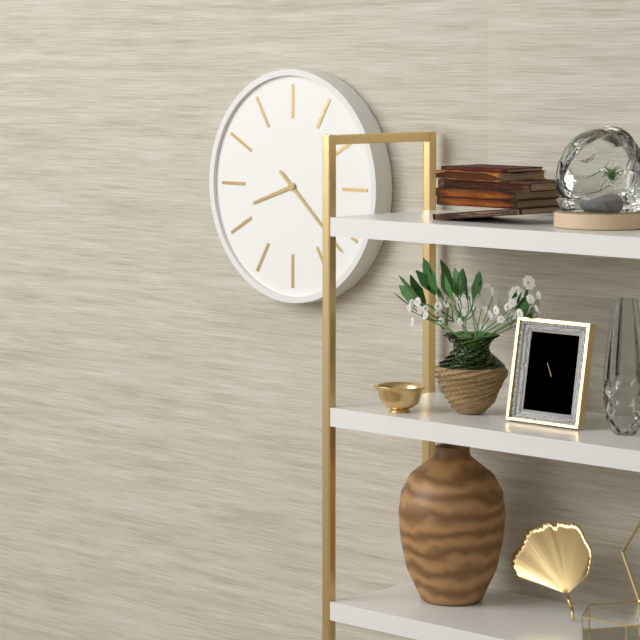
8:22
